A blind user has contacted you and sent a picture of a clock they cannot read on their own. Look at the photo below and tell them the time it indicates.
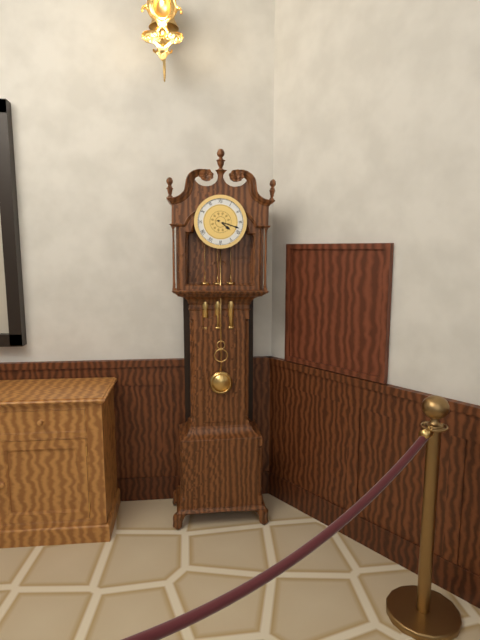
4:18
